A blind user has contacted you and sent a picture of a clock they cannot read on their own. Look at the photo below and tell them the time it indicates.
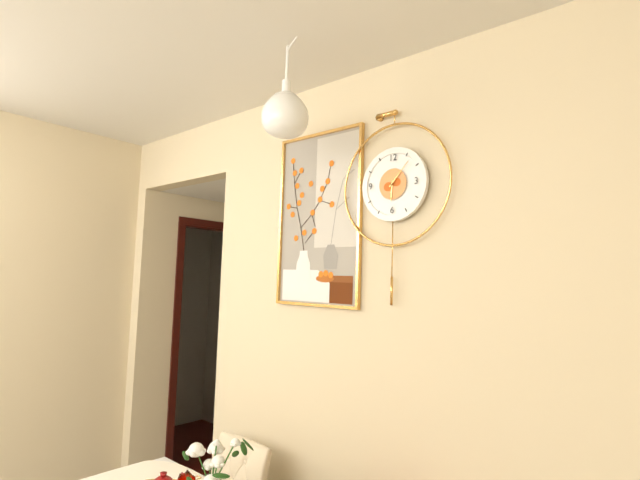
6:07
